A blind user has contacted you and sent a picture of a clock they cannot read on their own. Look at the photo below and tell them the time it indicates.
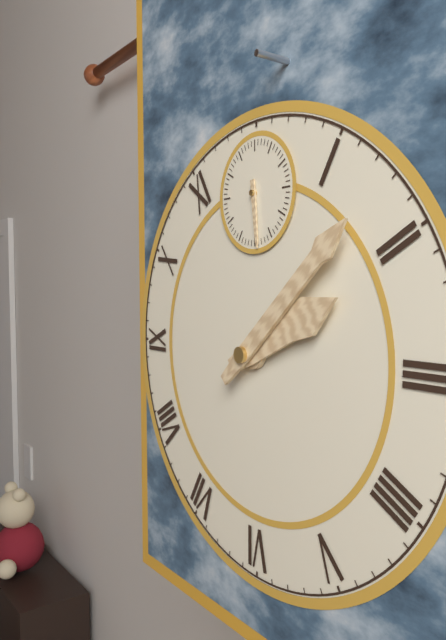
2:08:29
